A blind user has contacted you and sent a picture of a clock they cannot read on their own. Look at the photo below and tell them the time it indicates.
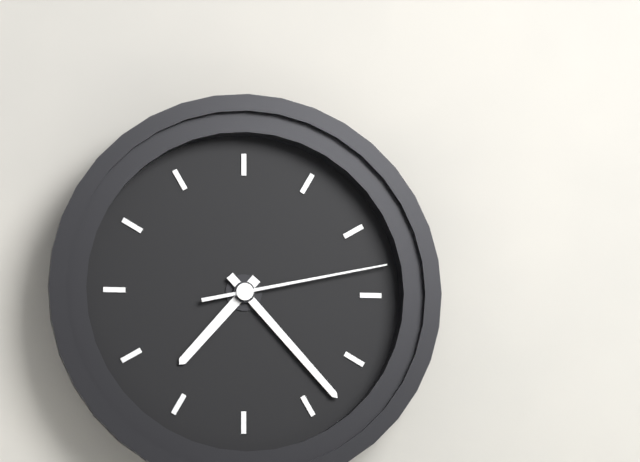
7:23:13
